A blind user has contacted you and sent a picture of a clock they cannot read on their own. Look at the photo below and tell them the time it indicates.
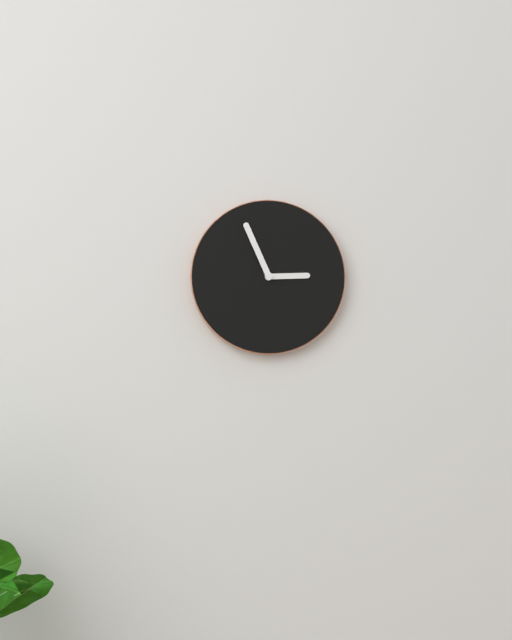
2:56
